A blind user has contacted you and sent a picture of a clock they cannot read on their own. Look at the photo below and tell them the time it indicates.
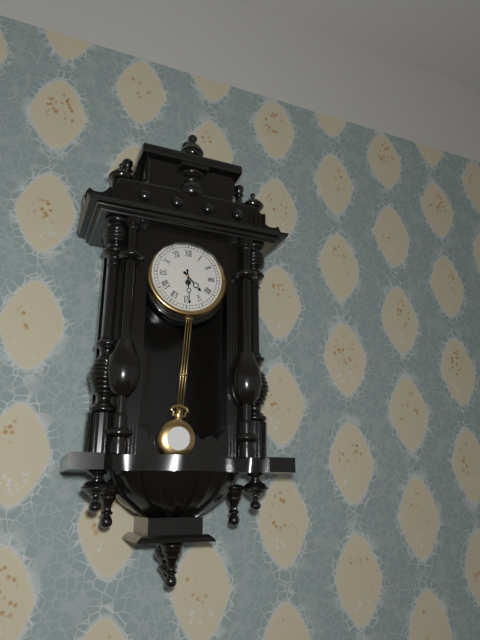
4:29
